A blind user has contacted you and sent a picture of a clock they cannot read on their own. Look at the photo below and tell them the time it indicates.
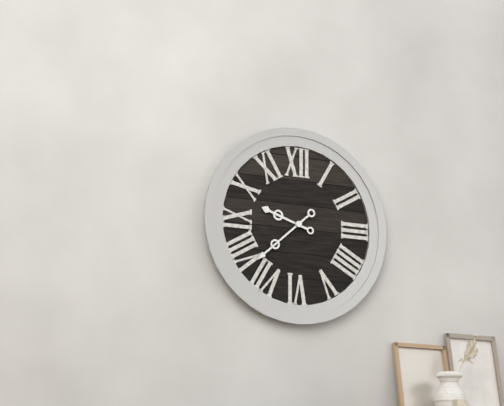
9:38
